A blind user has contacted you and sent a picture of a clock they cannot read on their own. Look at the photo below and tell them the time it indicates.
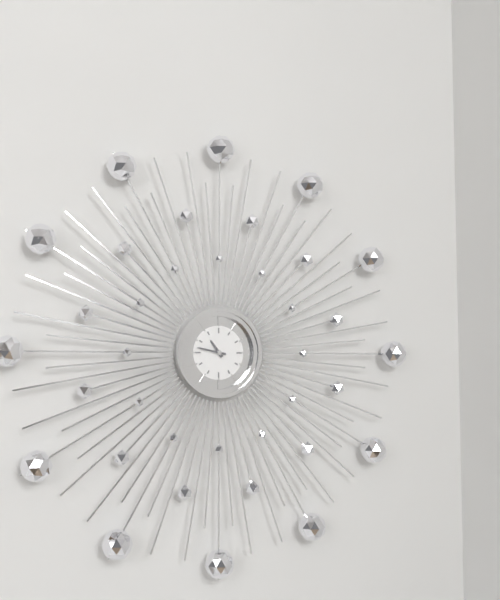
10:47
